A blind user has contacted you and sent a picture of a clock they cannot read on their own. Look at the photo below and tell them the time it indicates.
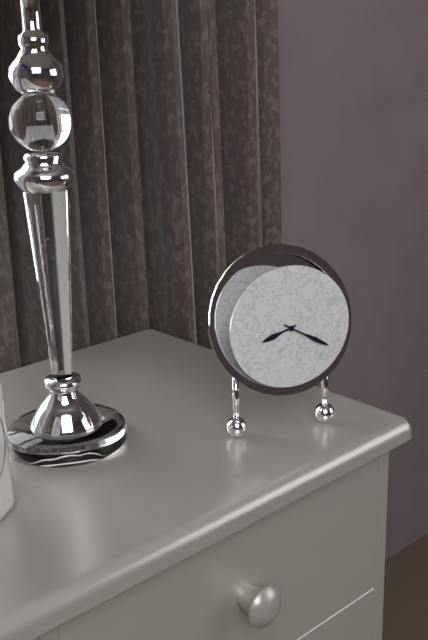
8:20
